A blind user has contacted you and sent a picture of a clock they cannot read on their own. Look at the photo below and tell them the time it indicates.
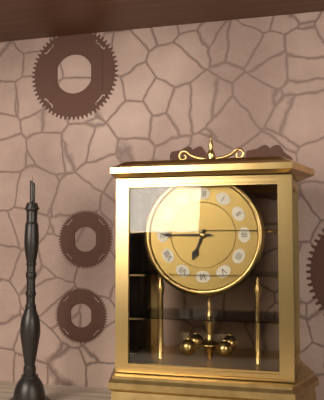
6:45
